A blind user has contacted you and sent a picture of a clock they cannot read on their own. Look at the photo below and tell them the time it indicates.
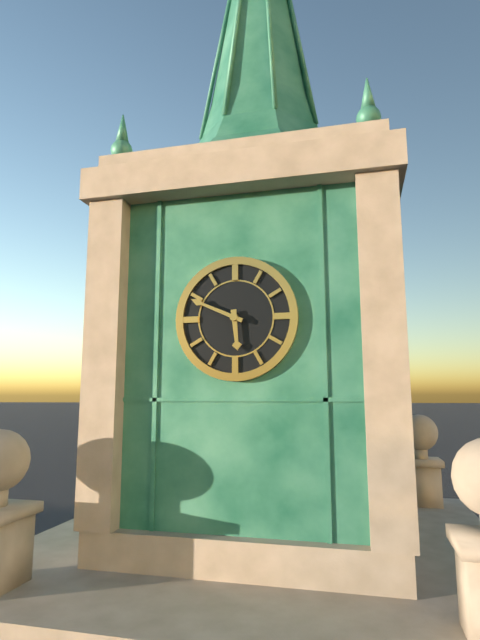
5:49
